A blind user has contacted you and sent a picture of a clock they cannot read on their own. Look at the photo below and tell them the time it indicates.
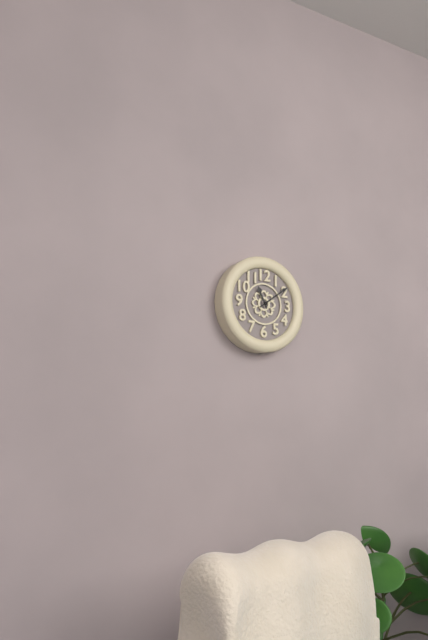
11:09
